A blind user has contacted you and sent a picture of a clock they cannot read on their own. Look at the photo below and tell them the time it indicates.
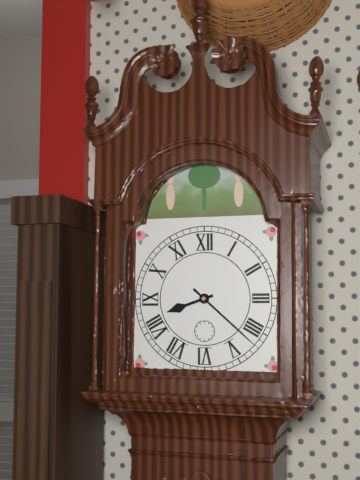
8:22
